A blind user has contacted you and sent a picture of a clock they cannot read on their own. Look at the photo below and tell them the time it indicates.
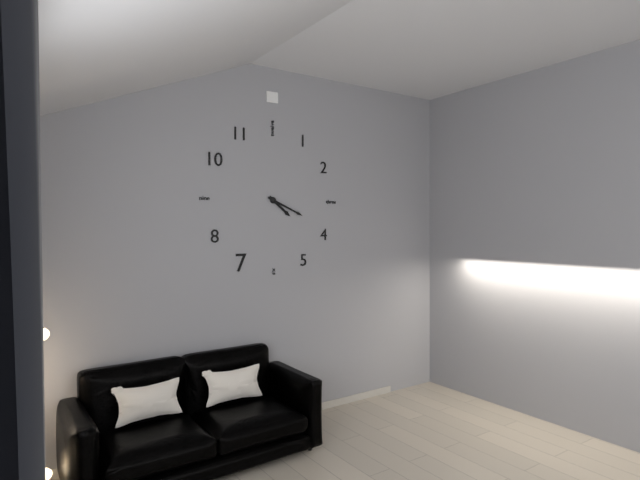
4:19
